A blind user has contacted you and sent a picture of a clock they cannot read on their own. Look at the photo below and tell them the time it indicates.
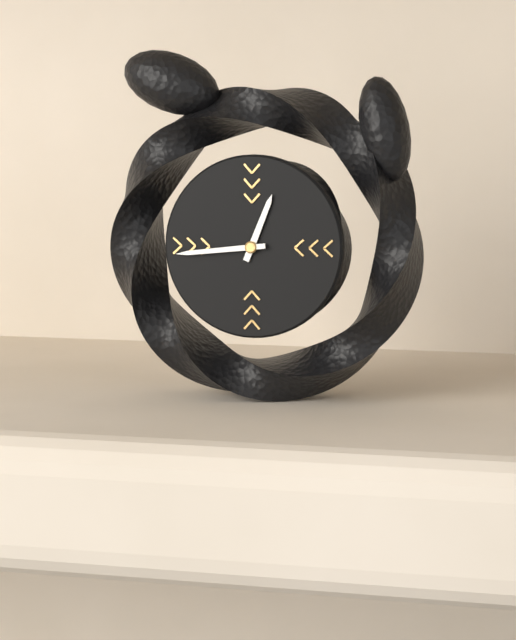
12:44
